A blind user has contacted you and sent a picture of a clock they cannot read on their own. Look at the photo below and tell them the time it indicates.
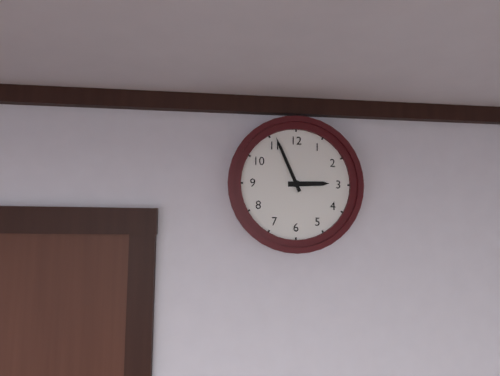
2:56
